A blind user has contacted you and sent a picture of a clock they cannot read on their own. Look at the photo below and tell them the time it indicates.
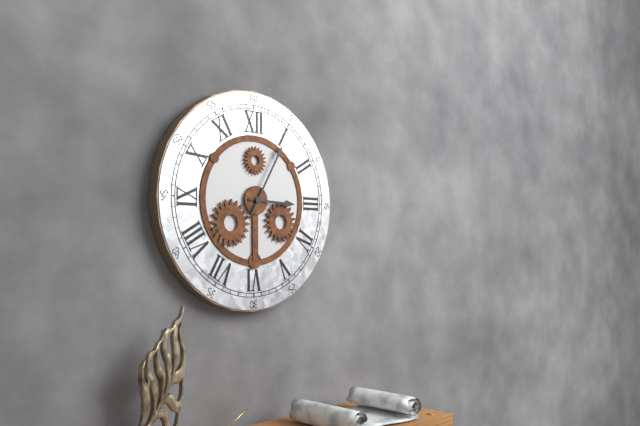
3:05
